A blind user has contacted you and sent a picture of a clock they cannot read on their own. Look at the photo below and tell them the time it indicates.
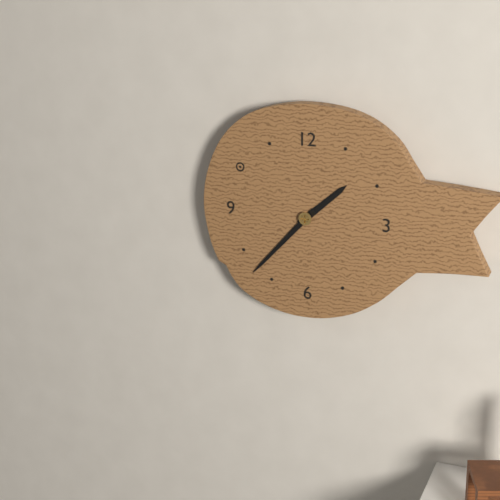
1:37
